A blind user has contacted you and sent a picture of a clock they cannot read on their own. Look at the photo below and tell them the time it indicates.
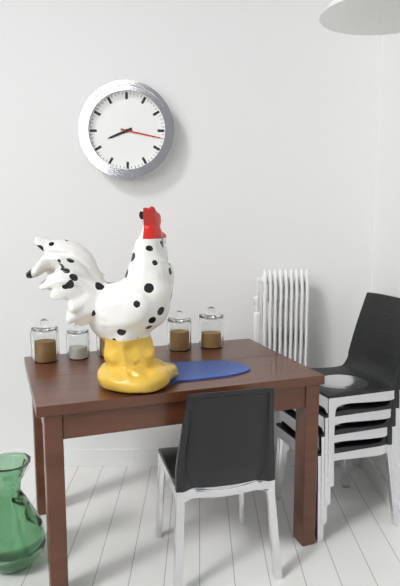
8:17
